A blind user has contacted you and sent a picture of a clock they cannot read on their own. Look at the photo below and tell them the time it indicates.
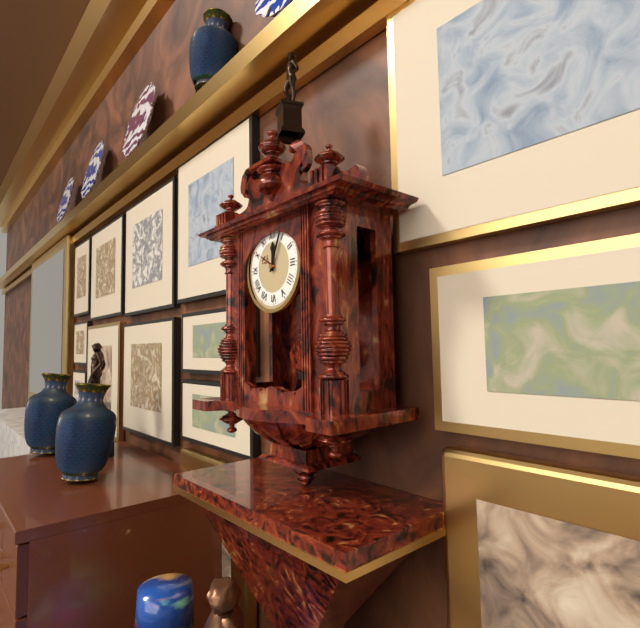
12:04
